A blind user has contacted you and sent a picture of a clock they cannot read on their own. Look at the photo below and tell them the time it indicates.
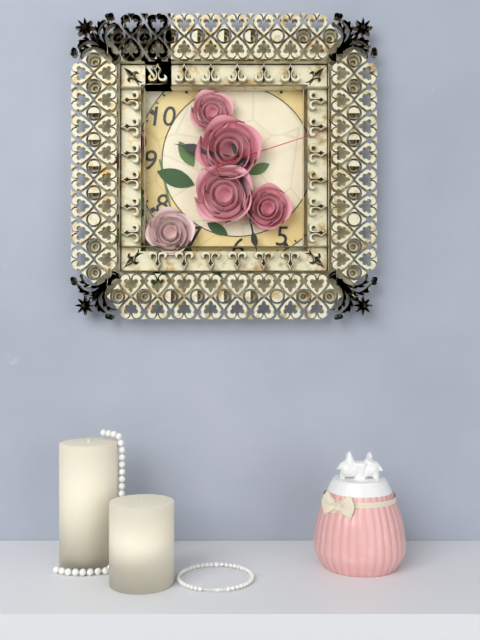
9:28:12
